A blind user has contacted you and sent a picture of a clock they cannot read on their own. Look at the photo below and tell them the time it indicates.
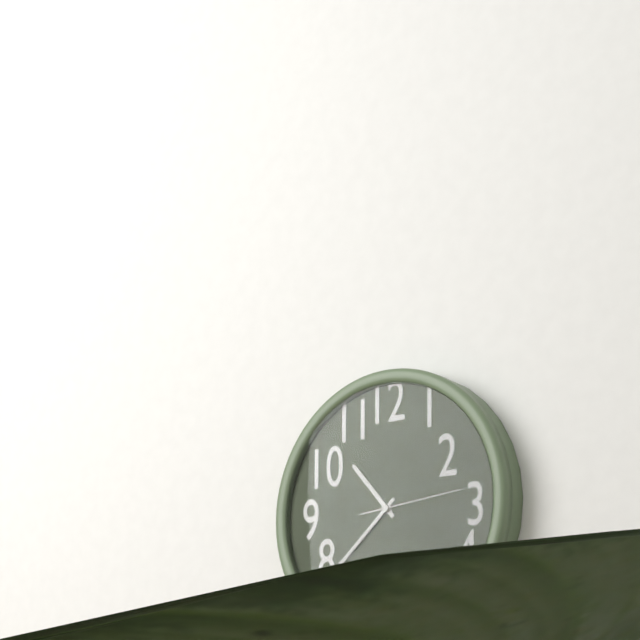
10:38:14
